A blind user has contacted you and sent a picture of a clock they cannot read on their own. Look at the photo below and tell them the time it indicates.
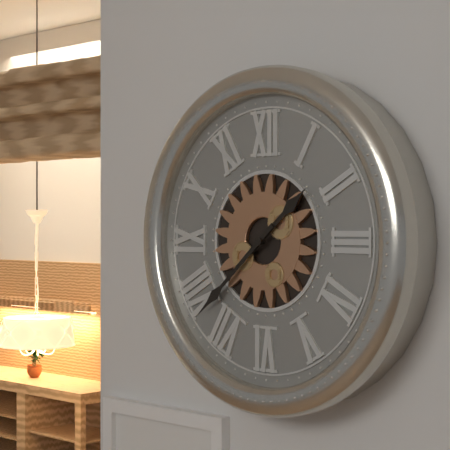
1:38
